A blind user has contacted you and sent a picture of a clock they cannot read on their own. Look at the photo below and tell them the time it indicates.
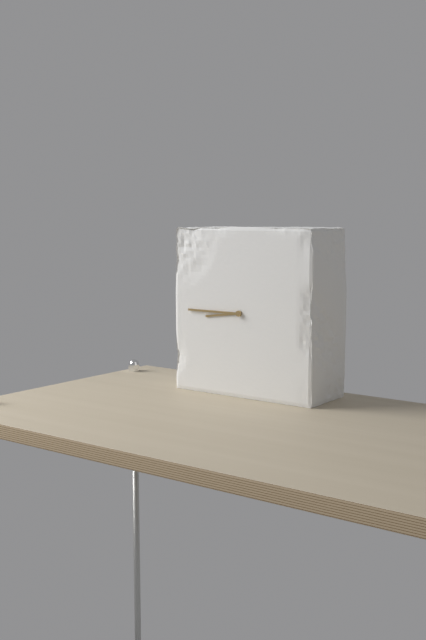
8:45
